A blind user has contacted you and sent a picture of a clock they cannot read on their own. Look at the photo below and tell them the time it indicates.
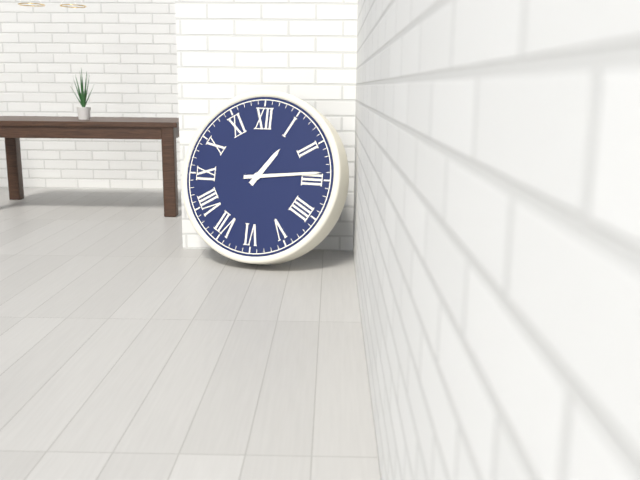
1:14
